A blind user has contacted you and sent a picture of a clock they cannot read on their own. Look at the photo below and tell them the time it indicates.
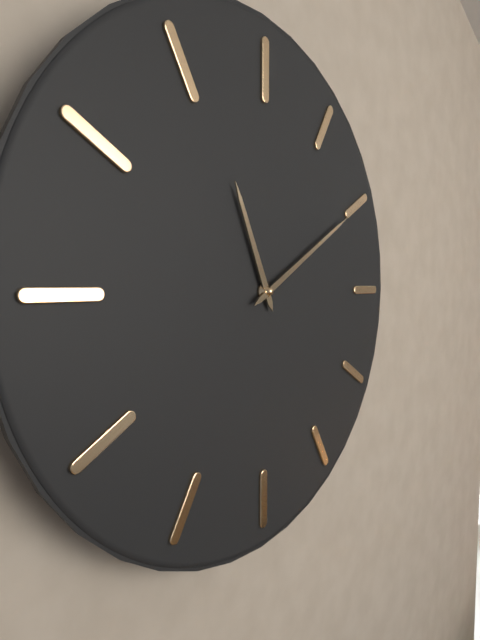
11:10
